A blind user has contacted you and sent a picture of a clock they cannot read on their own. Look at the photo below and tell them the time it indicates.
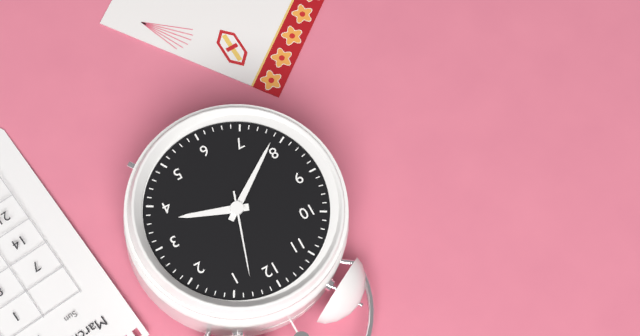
3:39:03
